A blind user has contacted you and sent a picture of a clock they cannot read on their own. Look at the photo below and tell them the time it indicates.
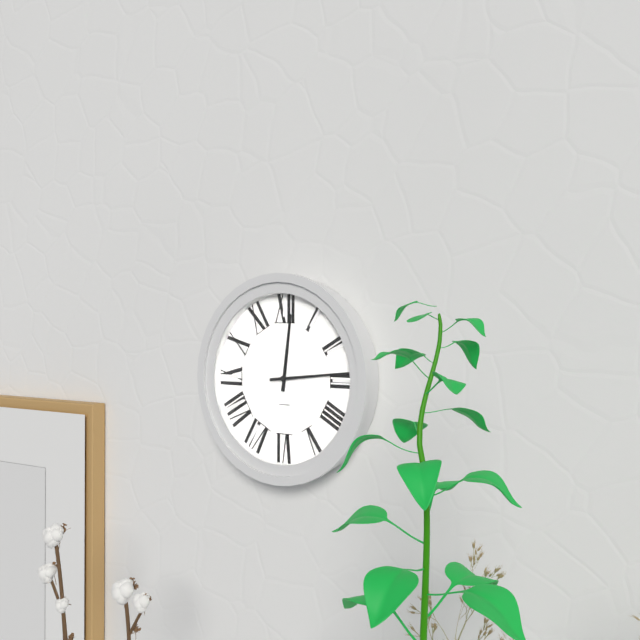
12:14
